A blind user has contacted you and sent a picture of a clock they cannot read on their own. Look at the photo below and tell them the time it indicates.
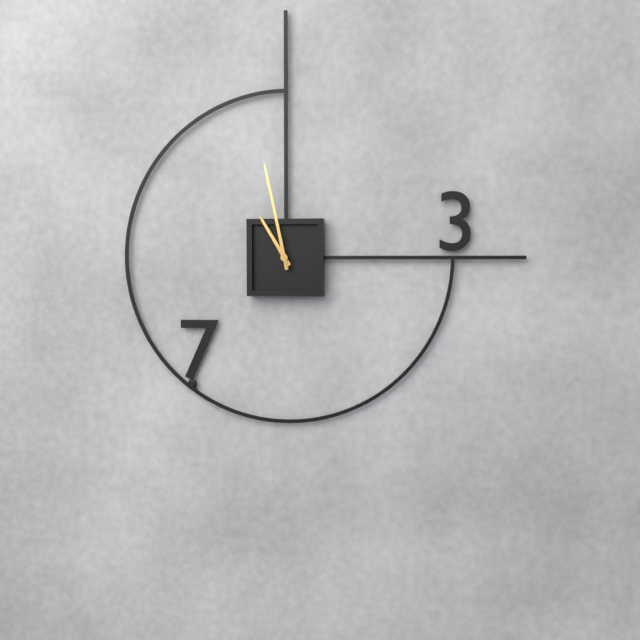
10:58
